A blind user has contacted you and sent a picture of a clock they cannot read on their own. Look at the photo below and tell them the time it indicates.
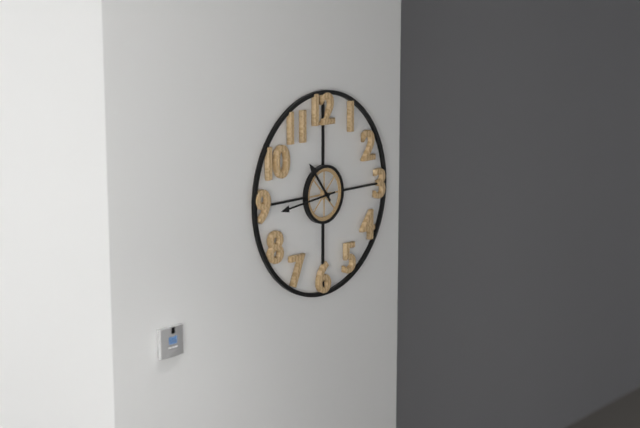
10:44
